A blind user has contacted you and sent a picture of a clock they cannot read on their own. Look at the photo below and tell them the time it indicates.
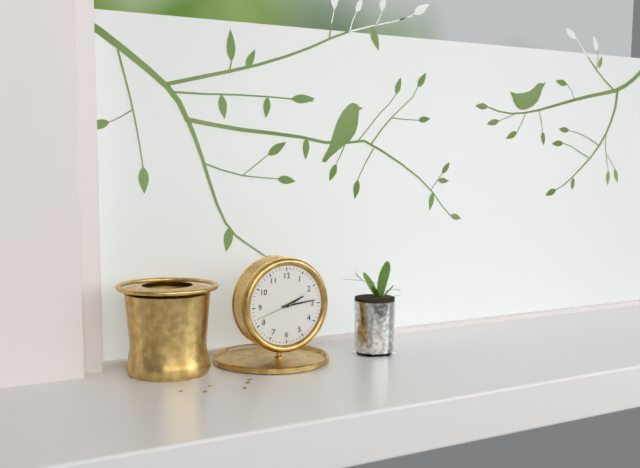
2:14
